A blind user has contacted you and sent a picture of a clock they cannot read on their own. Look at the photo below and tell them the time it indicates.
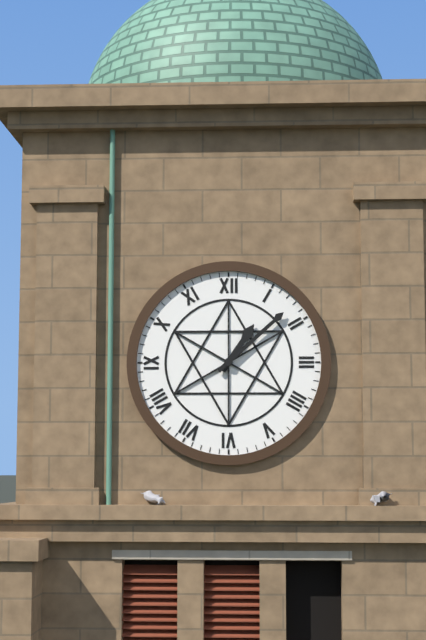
1:08
